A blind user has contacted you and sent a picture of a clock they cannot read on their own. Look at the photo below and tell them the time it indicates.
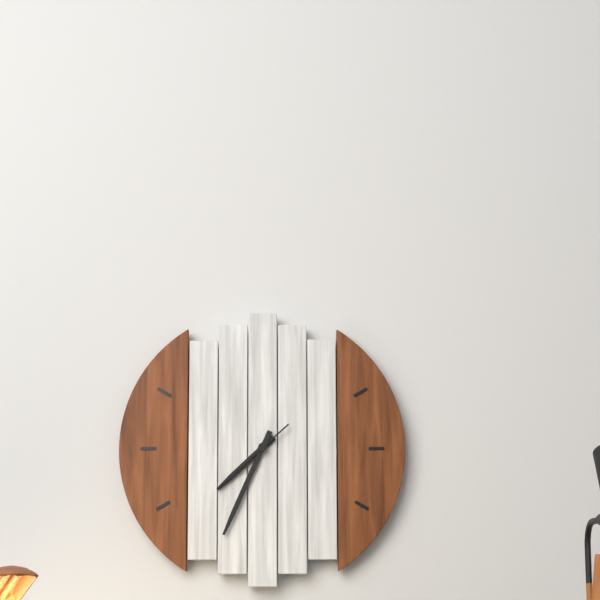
7:34:38
